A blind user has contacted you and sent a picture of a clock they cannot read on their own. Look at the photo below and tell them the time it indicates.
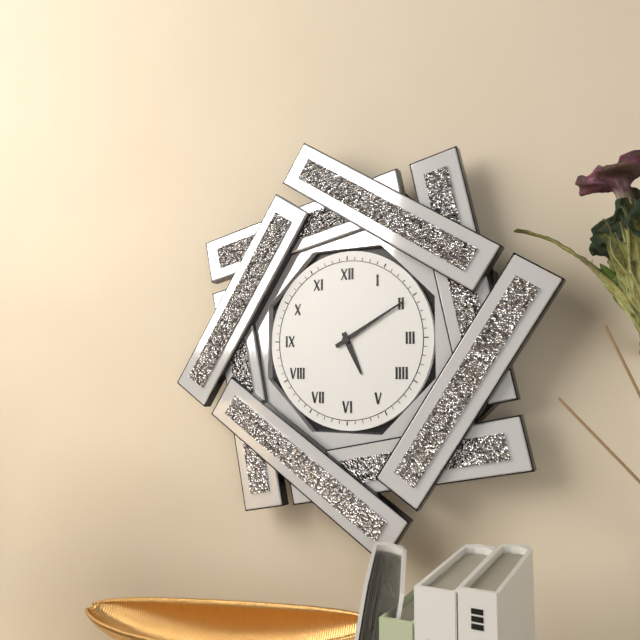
5:10
